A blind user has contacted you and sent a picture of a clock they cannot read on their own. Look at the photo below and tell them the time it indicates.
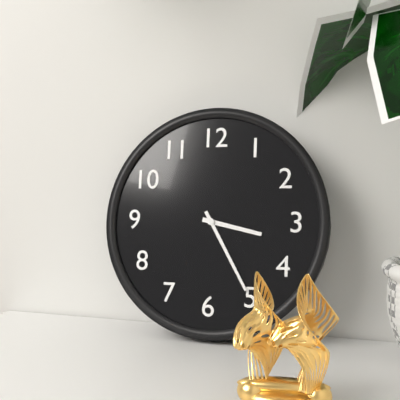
3:25
